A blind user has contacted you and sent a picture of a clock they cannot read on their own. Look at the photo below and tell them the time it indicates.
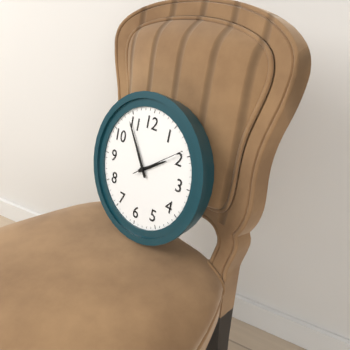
1:54:09
